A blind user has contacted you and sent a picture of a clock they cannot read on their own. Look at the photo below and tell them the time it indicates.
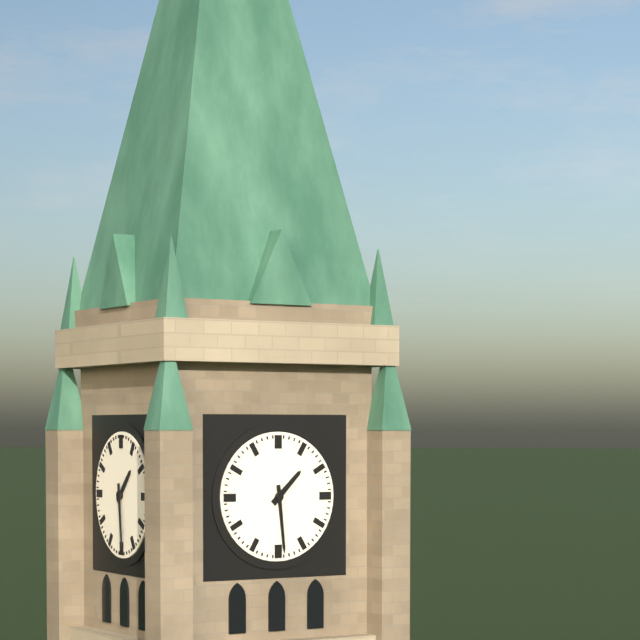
1:29
